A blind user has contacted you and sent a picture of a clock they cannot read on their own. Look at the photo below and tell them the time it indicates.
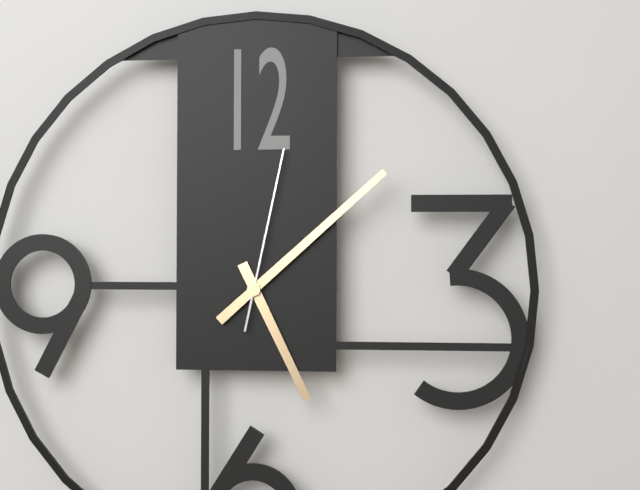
5:08:02
